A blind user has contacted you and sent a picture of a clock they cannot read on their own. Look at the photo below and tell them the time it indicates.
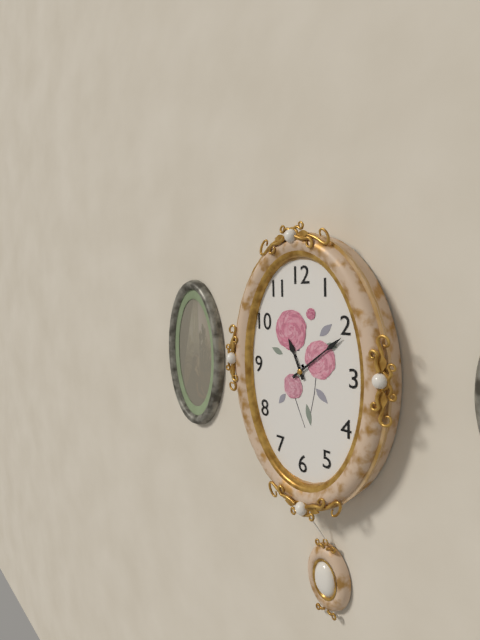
11:09
